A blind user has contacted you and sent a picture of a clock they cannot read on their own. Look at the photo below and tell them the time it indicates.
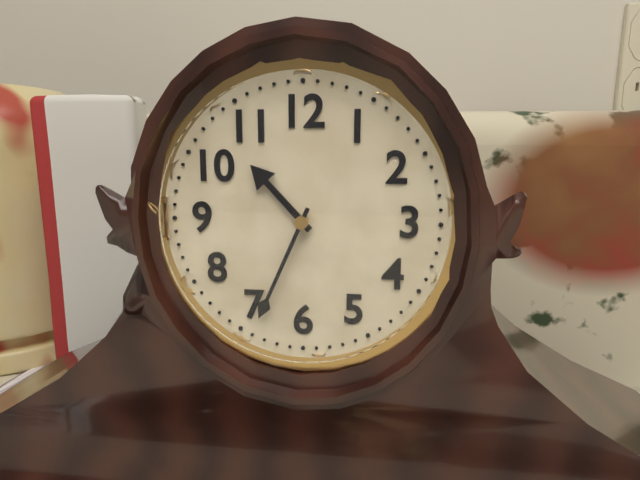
10:34
